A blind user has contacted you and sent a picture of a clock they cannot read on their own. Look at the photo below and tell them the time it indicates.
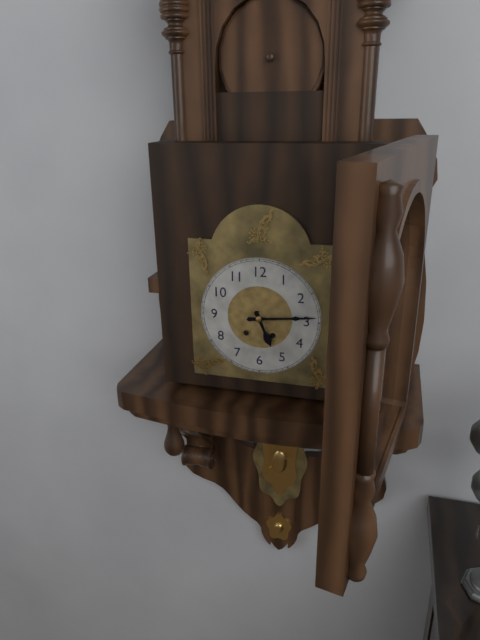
5:14
